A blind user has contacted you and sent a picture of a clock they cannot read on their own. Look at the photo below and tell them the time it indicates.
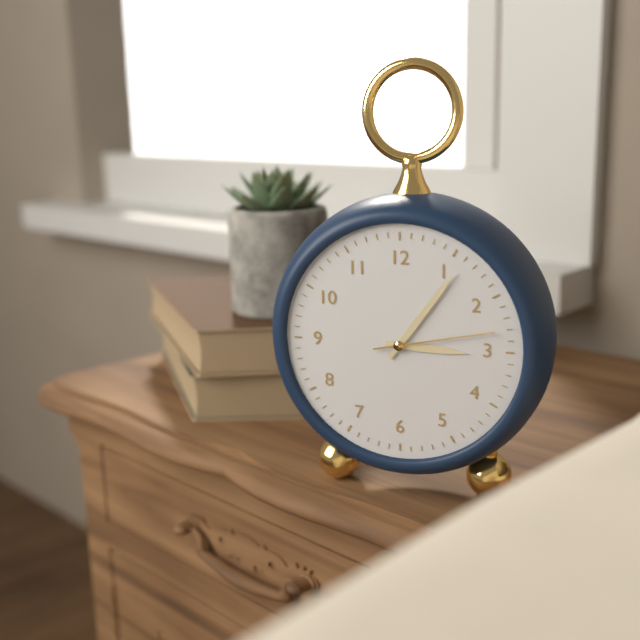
3:06:13
